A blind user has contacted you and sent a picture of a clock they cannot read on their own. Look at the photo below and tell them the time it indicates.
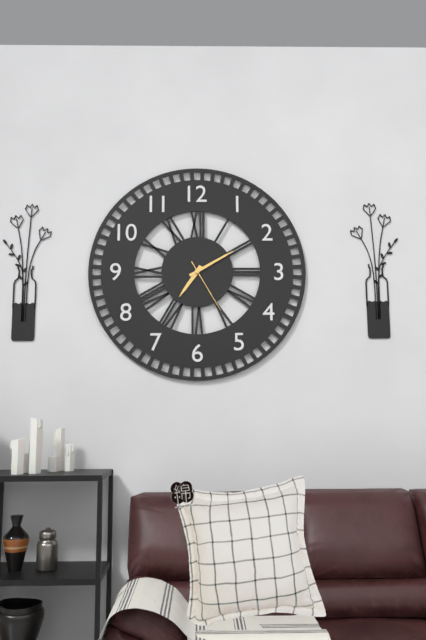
7:10:25
